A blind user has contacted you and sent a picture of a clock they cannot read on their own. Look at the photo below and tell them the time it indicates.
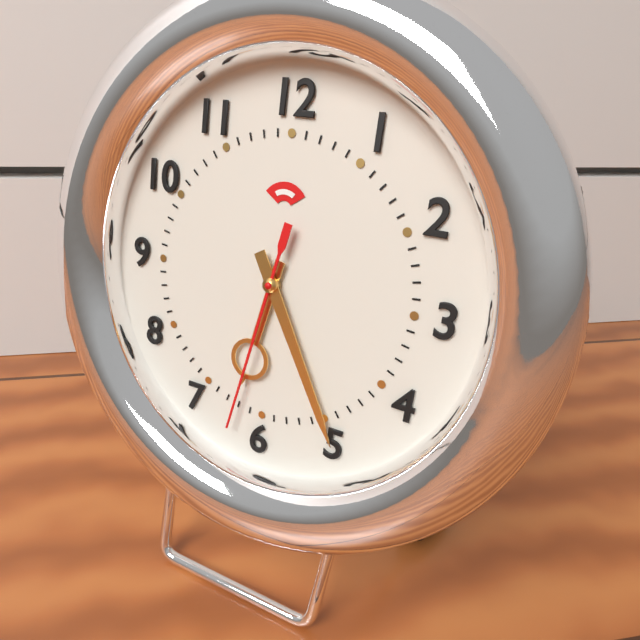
6:25:32
